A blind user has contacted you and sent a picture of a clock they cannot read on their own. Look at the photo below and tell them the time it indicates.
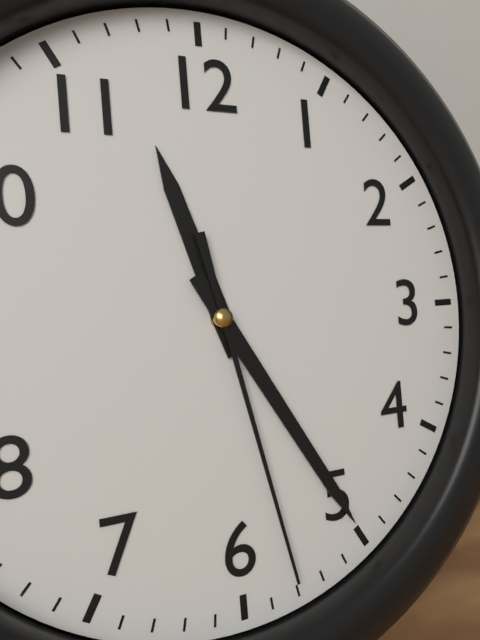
11:25:28
